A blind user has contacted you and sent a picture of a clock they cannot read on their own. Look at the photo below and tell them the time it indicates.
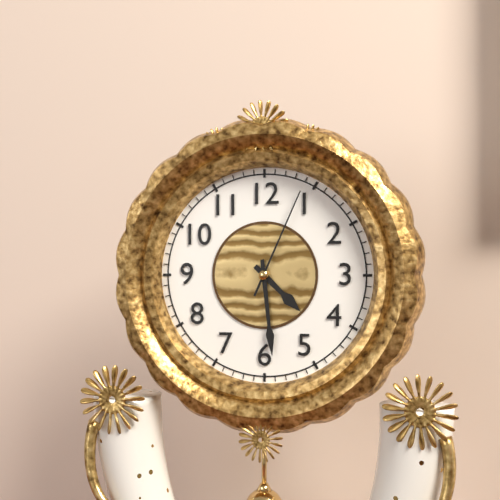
4:29:04
